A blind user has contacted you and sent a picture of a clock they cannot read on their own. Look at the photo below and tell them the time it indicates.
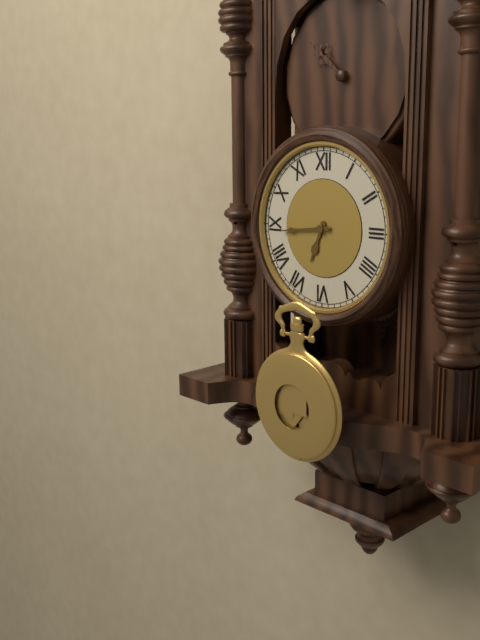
6:44
